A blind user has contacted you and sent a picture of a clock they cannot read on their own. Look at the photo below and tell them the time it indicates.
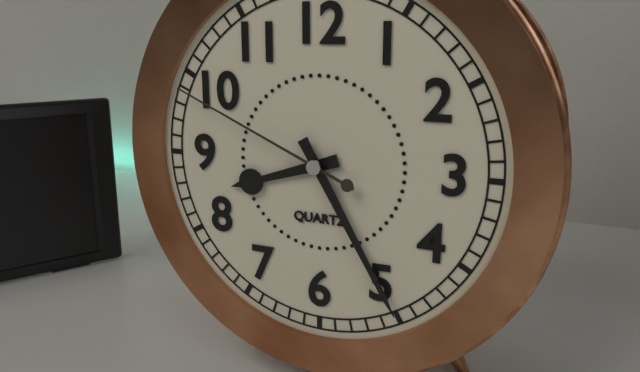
8:25:49
